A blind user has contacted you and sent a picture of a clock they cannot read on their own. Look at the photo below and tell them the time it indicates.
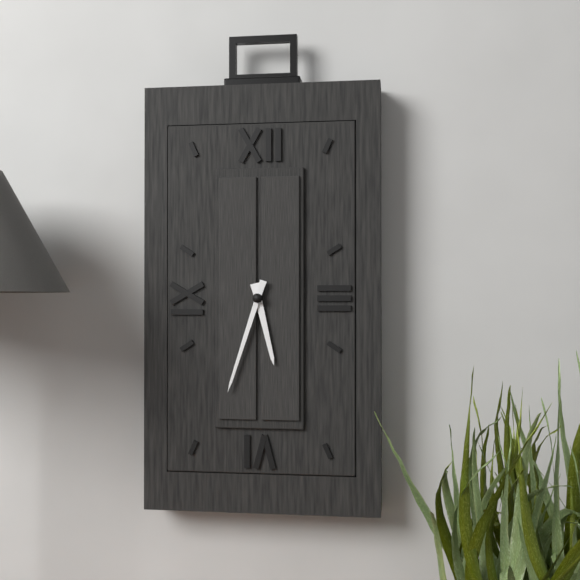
5:33
